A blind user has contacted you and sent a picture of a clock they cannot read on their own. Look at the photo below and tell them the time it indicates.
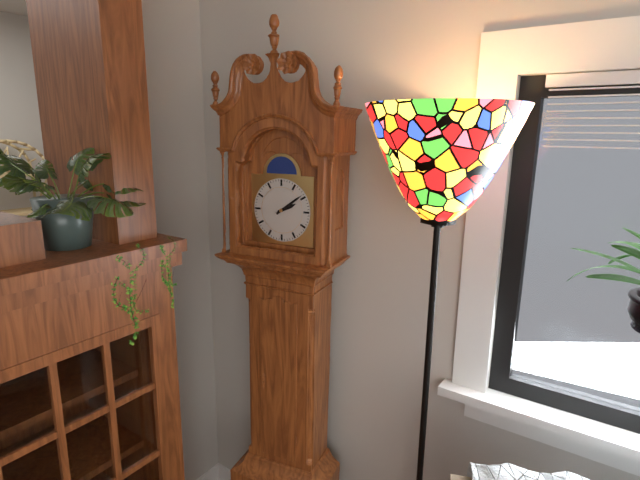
2:09
